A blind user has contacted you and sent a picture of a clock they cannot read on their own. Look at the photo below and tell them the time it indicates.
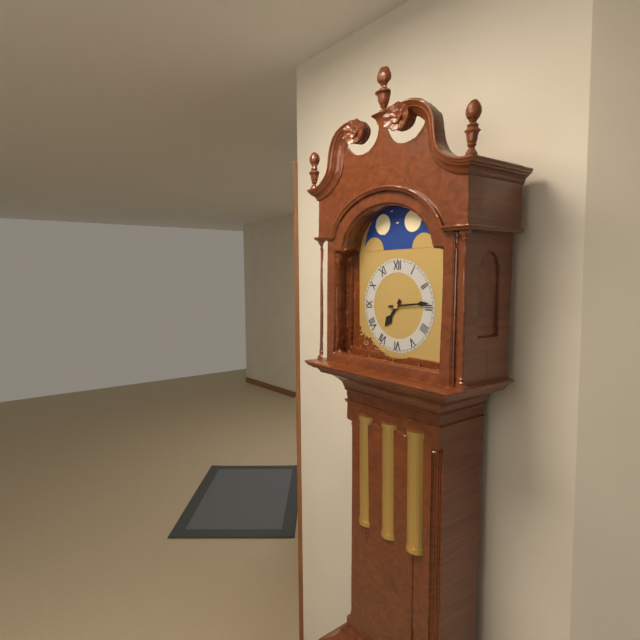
7:14
